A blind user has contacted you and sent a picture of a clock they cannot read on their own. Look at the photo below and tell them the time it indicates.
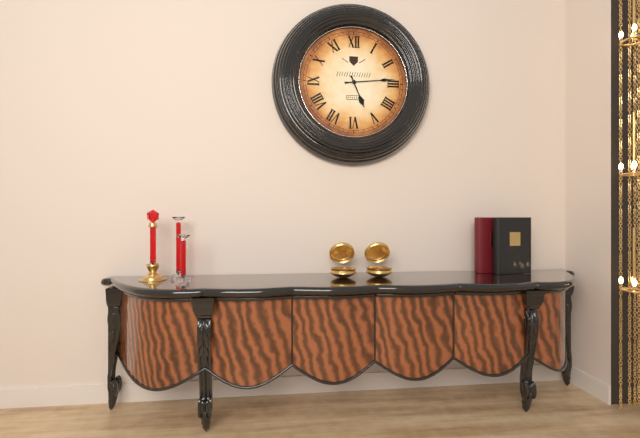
5:14
